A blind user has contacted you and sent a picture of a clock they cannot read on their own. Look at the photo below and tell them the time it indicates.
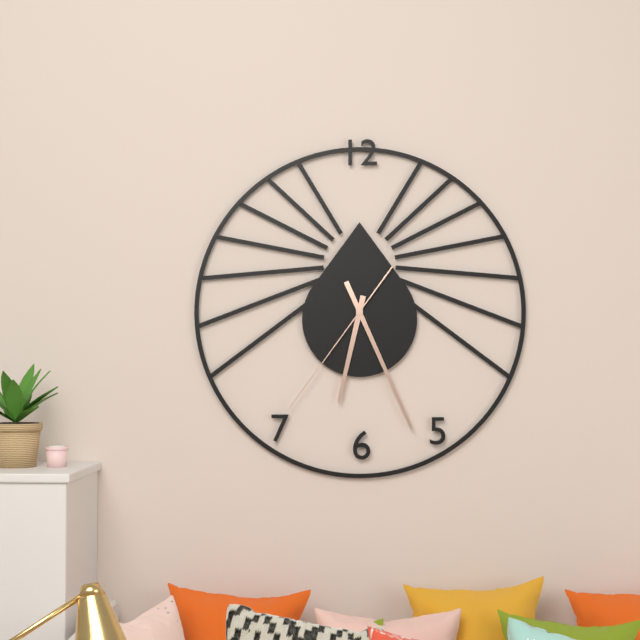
6:26:36
